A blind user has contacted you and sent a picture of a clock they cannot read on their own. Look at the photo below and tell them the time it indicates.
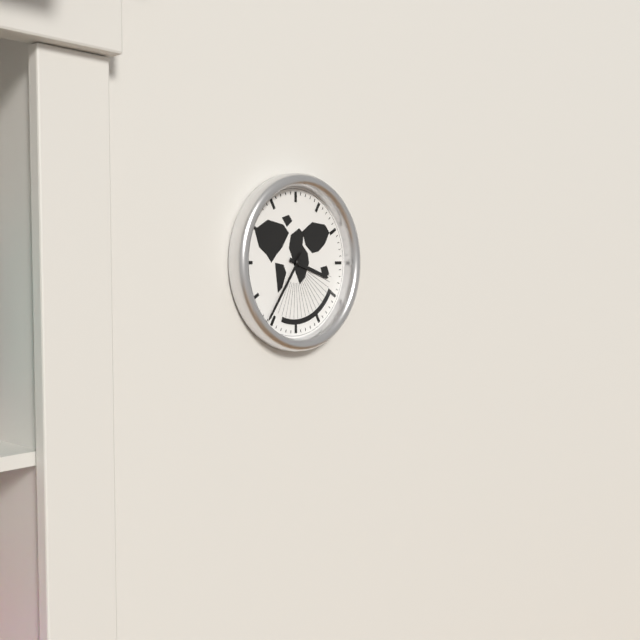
3:36
